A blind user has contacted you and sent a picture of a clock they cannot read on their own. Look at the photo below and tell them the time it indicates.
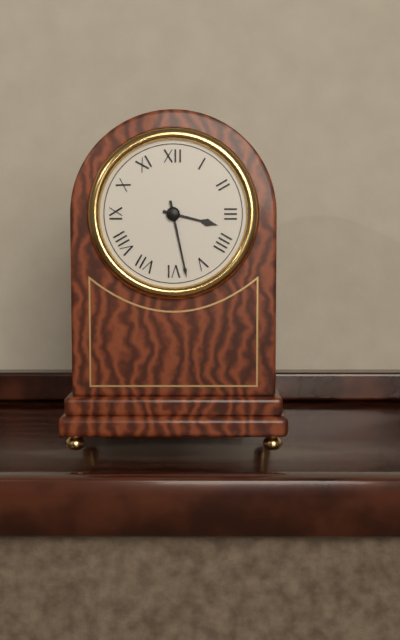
3:28
